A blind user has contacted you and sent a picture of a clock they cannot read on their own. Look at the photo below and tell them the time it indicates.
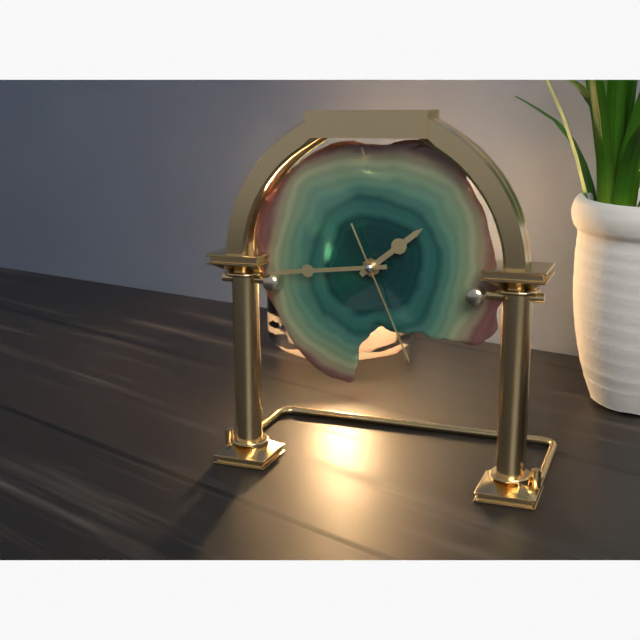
1:44:26
